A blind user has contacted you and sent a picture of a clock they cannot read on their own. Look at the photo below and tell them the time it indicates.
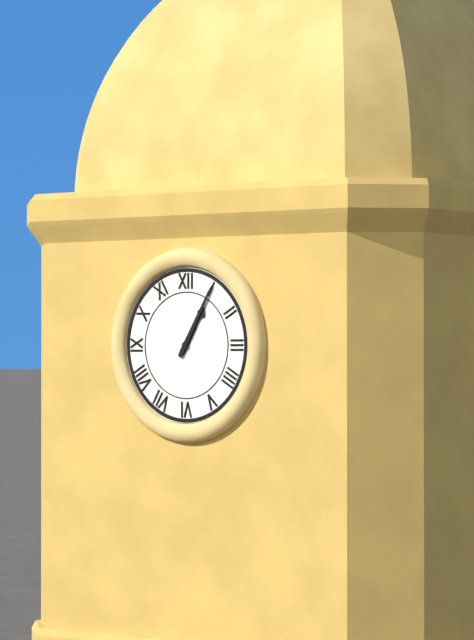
1:05
